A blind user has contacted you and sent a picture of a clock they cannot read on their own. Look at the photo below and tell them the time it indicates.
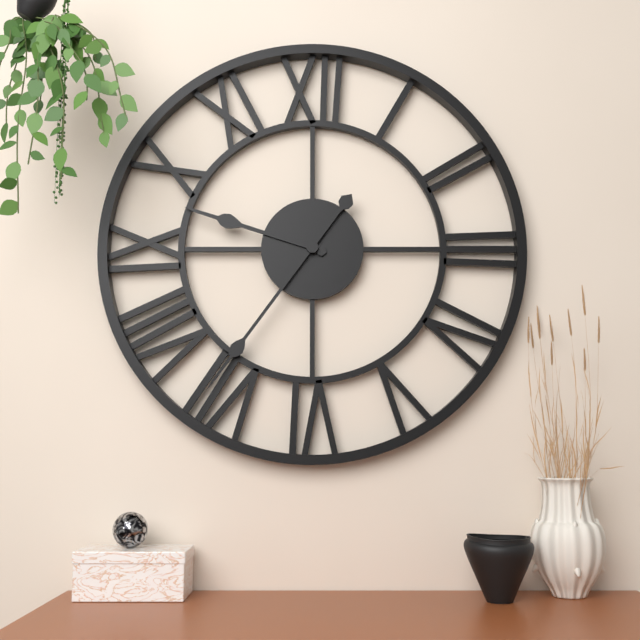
9:36
